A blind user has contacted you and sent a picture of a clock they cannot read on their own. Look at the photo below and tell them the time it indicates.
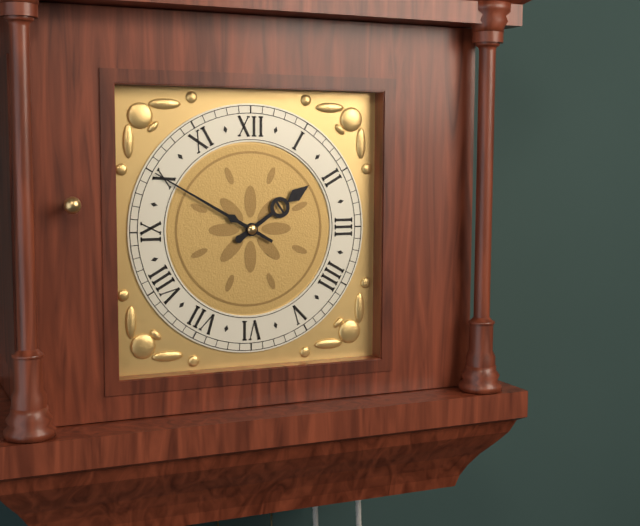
1:50
